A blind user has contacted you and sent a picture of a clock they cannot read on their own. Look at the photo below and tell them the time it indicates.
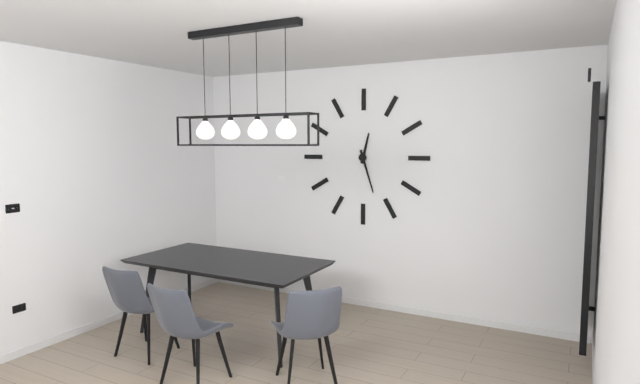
12:27
